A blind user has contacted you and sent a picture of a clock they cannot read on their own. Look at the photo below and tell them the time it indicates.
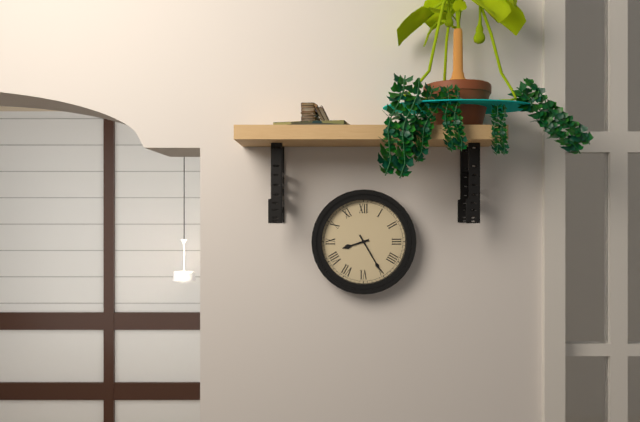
8:25
